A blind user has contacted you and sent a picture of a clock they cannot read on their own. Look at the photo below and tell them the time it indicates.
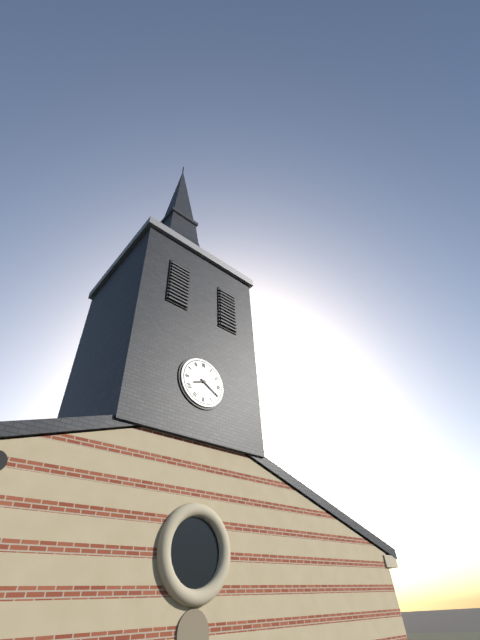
8:20
